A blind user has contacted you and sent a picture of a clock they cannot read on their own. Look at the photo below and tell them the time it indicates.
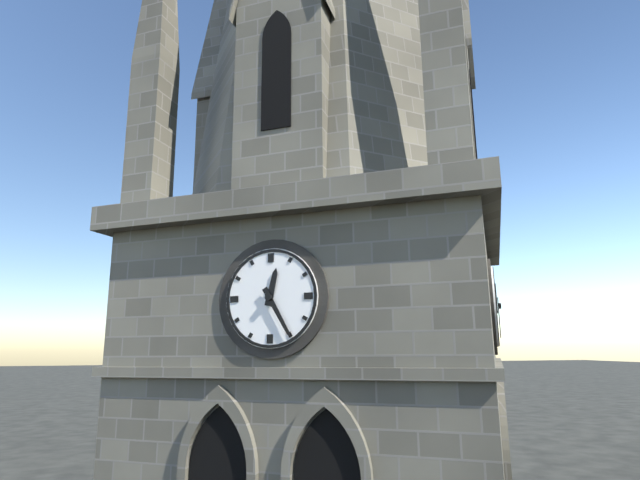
12:25
